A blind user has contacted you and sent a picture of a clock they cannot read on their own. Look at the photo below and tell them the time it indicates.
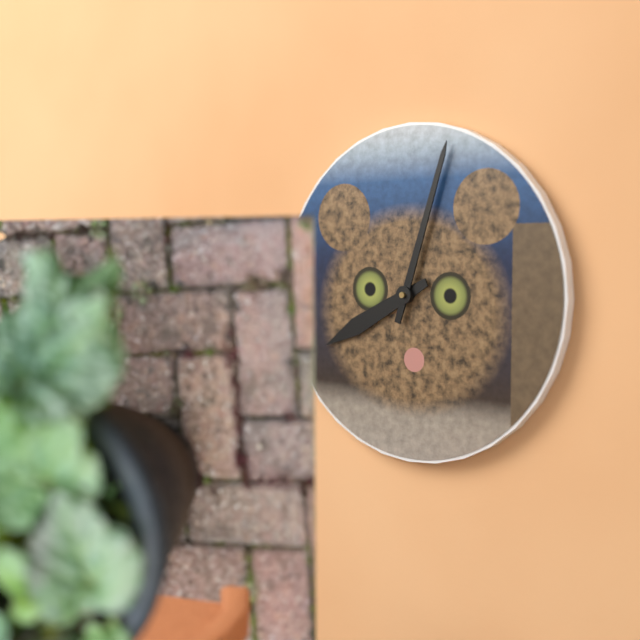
8:03
